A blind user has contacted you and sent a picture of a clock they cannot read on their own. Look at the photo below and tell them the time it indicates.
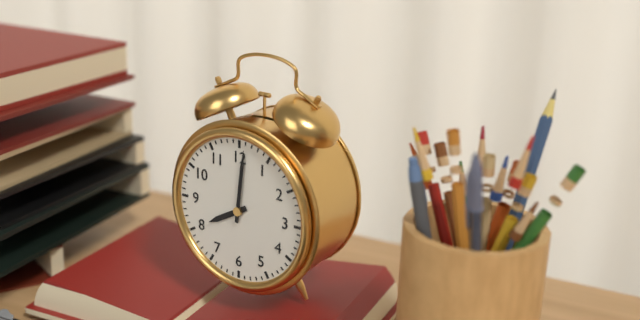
8:01
